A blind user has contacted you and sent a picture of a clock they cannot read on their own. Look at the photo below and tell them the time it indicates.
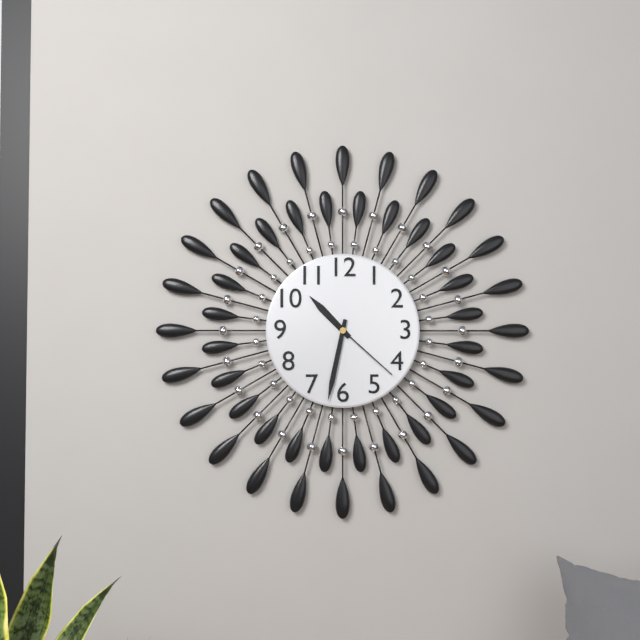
10:32:22
